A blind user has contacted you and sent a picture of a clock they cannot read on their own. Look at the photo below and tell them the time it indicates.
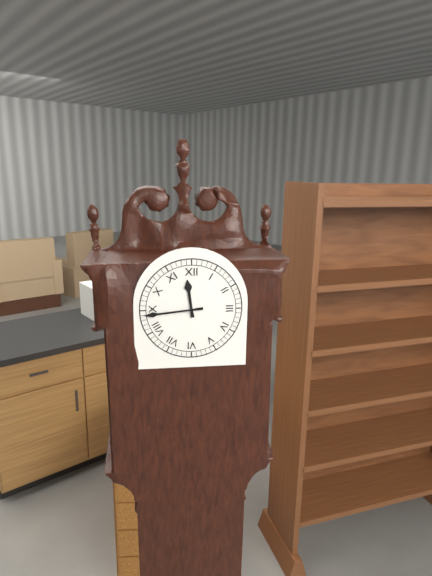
11:44
